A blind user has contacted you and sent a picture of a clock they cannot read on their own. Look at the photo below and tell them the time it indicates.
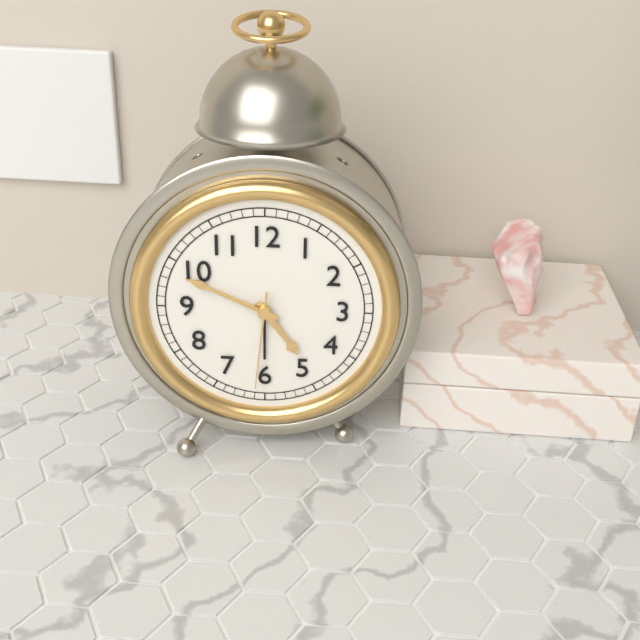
4:49:31
